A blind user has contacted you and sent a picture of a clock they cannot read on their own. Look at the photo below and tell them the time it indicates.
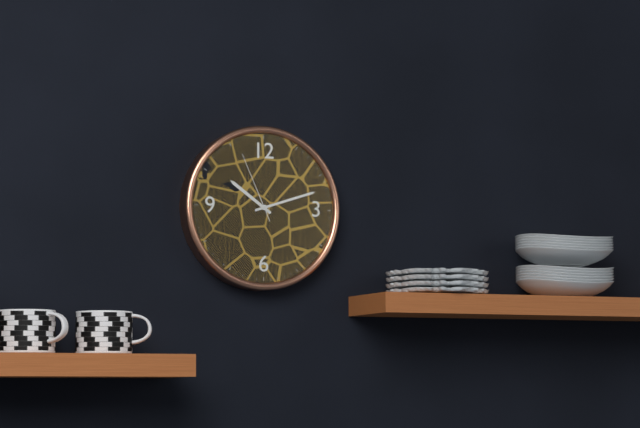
10:12:56
